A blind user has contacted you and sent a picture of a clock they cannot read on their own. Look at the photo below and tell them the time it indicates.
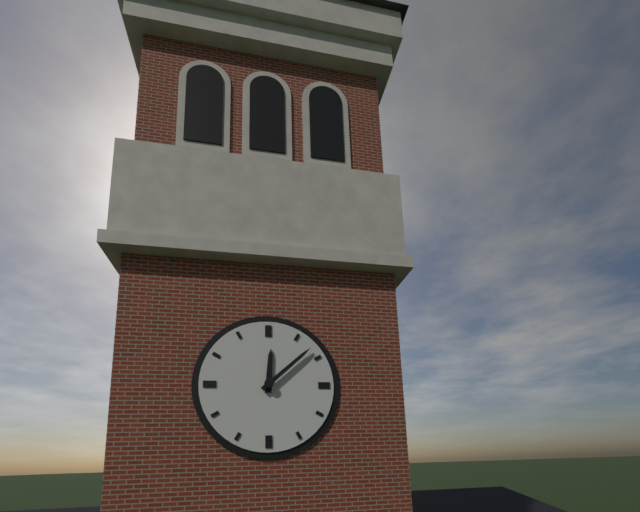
12:08
